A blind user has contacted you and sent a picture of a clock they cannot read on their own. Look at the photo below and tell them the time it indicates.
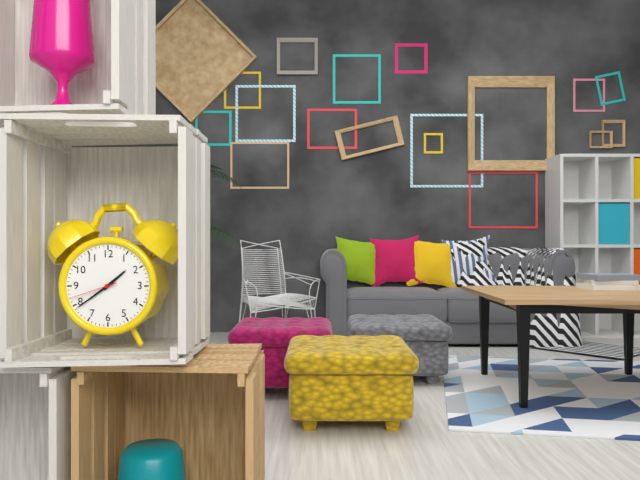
1:39
